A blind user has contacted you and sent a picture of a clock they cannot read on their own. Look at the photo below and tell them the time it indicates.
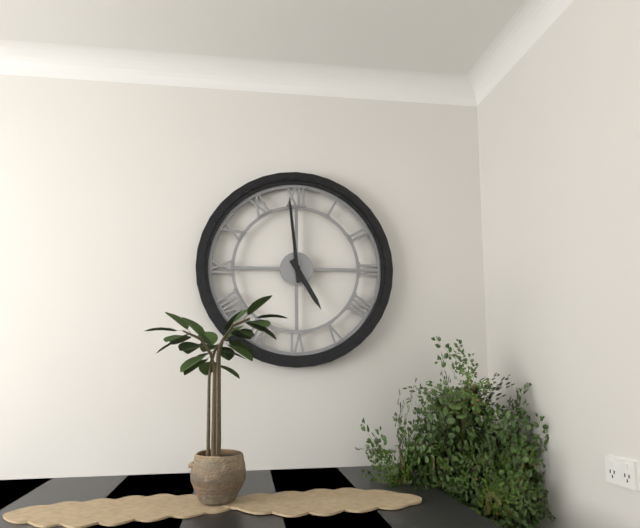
4:59
